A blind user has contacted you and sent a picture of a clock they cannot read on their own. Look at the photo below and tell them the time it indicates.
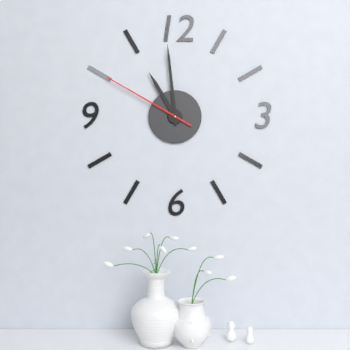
10:59:50
